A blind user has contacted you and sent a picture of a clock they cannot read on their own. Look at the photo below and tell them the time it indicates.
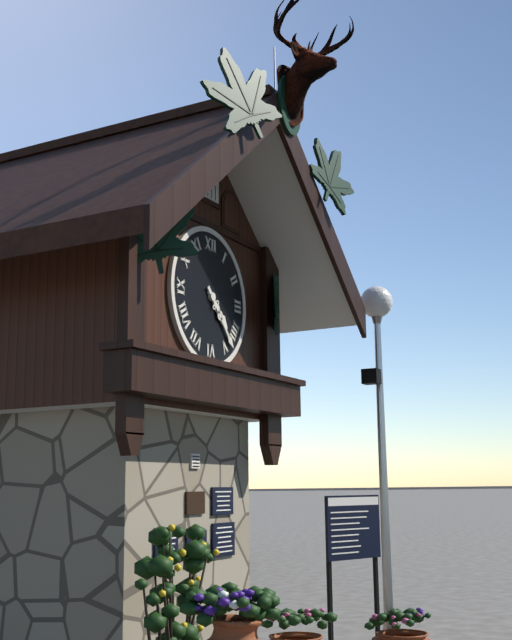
4:23
